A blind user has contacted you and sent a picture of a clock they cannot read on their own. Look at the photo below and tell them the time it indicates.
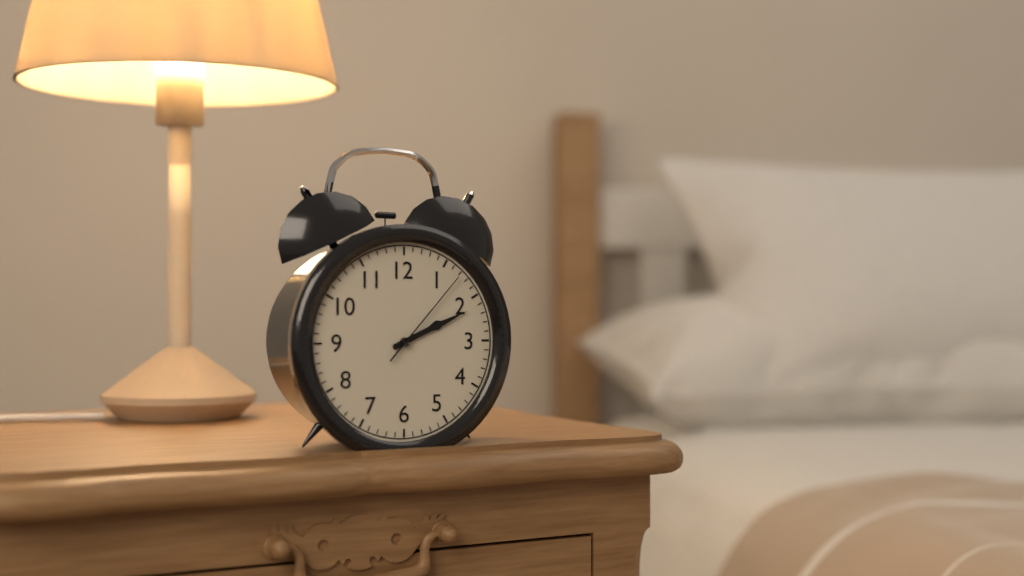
2:11:07
